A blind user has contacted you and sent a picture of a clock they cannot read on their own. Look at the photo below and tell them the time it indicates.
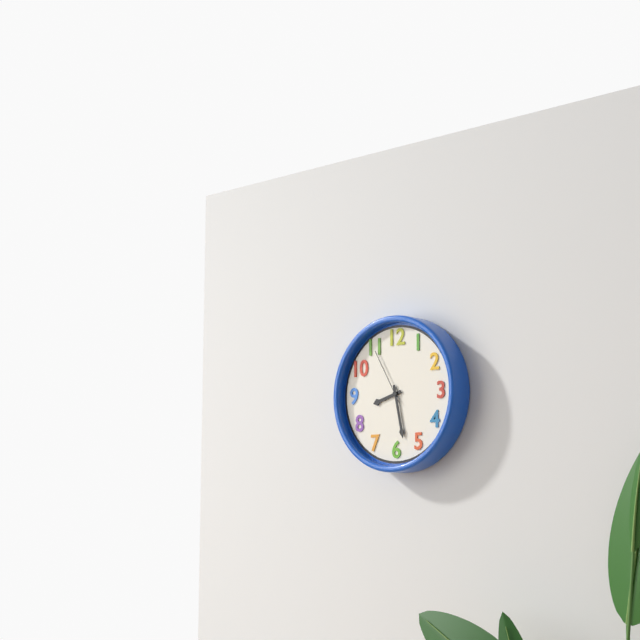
8:28:55
